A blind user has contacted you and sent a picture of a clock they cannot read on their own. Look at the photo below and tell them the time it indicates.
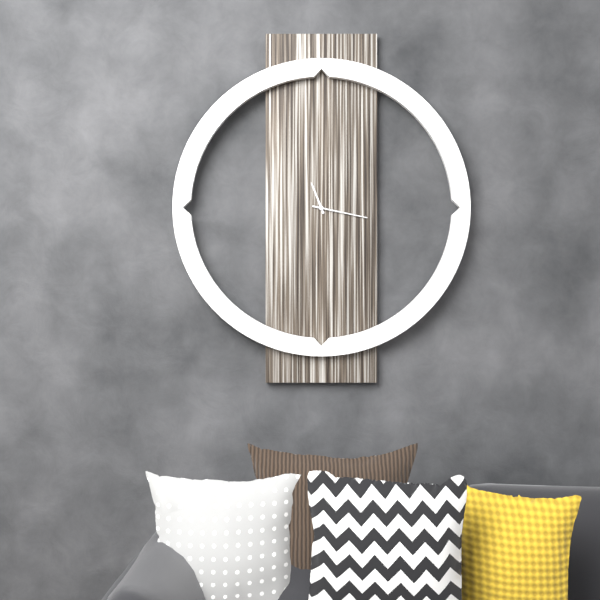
11:17
